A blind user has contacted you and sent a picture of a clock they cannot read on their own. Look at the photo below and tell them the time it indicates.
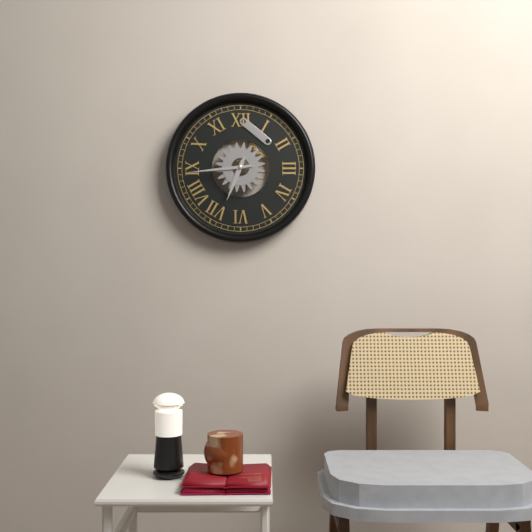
6:44
